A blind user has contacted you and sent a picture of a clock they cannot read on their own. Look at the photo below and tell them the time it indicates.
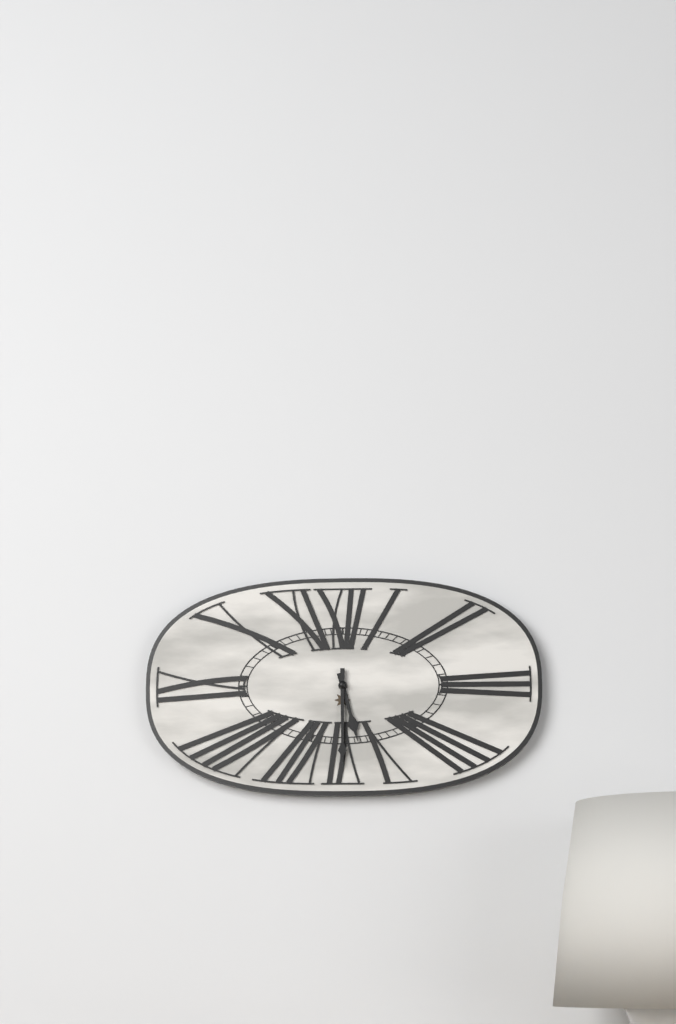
5:30
